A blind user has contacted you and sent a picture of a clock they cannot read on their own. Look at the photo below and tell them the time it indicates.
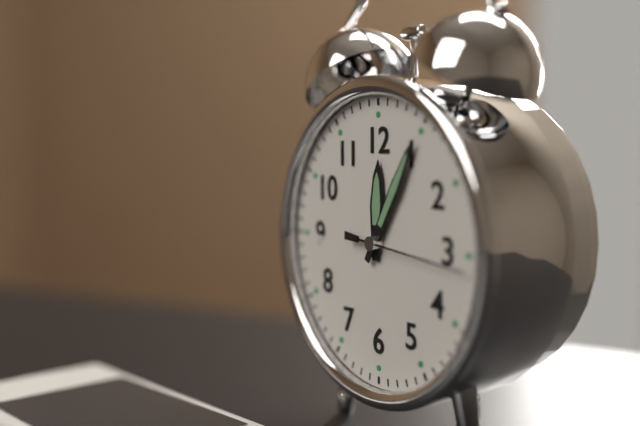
12:05:16
